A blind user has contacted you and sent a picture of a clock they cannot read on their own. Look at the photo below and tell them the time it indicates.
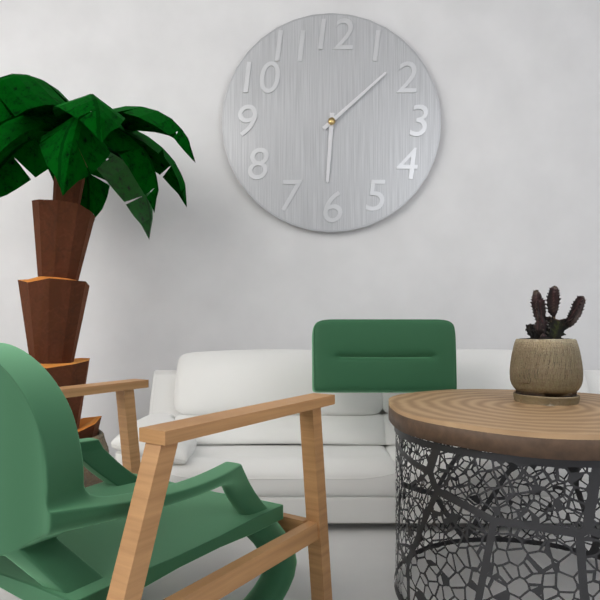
6:08
